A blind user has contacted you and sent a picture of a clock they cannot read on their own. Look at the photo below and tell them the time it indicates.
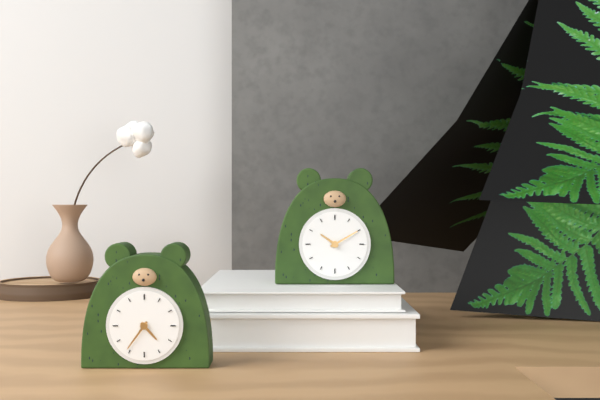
4:36
